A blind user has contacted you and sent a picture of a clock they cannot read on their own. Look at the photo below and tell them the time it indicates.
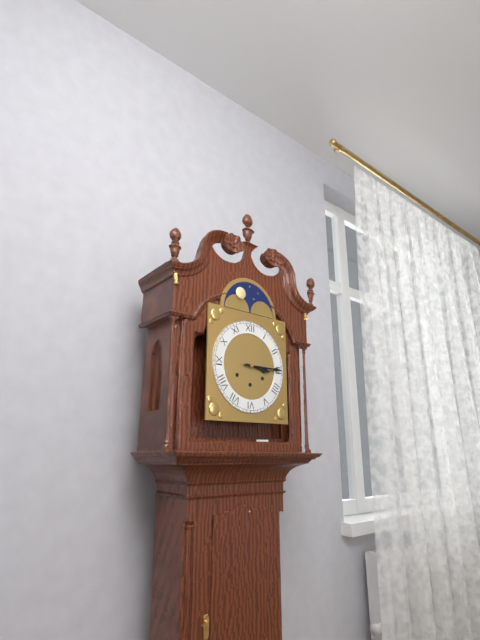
3:15
